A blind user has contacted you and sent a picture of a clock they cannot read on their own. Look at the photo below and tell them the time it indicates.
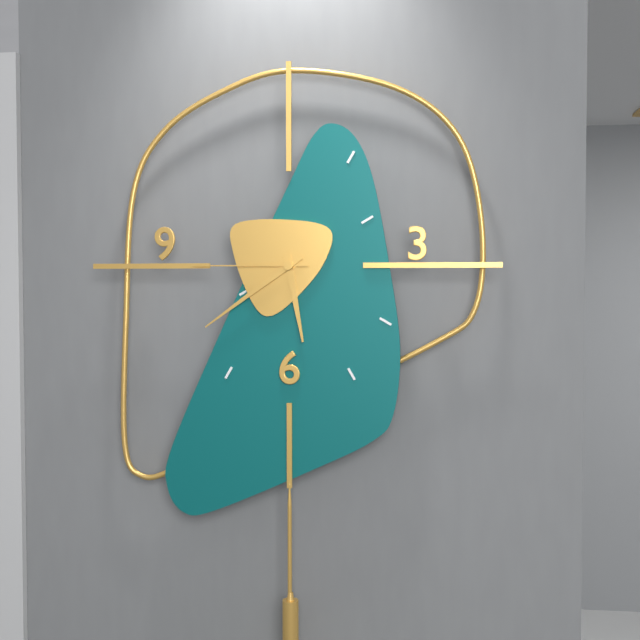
5:39:45
